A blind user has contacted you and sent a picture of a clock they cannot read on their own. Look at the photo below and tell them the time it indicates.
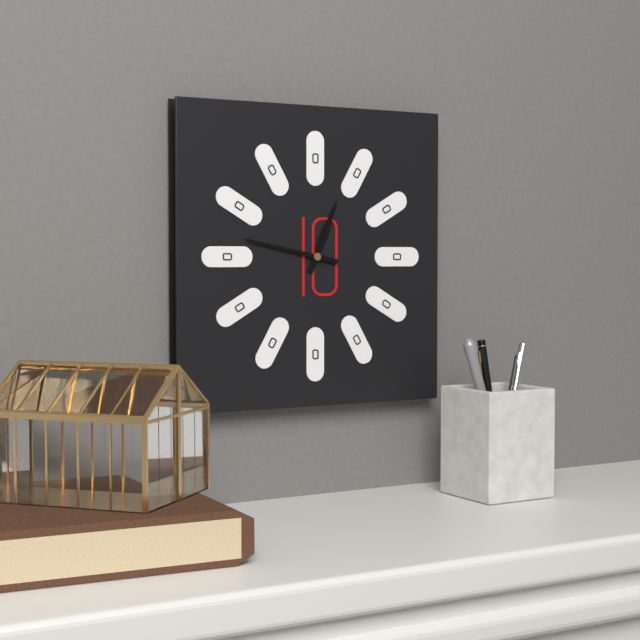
12:47
